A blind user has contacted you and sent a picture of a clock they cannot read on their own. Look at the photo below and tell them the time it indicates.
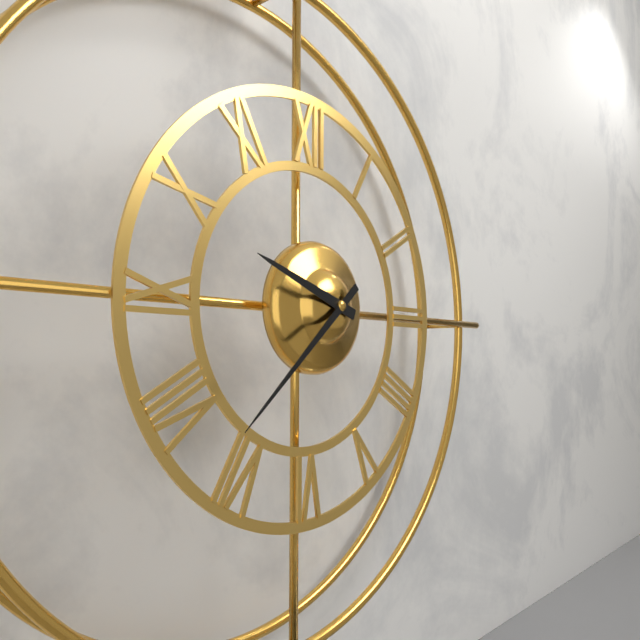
9:38
